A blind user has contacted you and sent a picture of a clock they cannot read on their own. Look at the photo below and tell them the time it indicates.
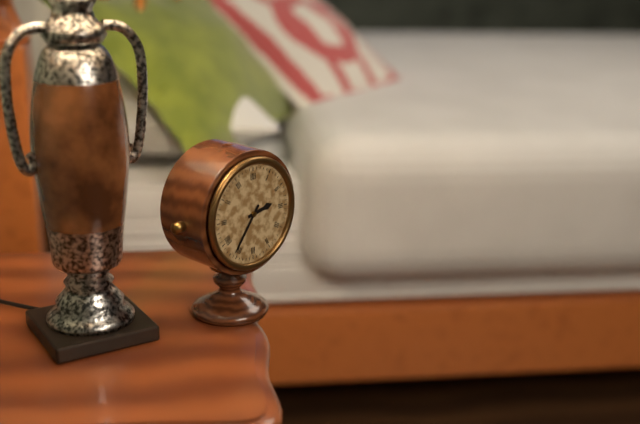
2:36
